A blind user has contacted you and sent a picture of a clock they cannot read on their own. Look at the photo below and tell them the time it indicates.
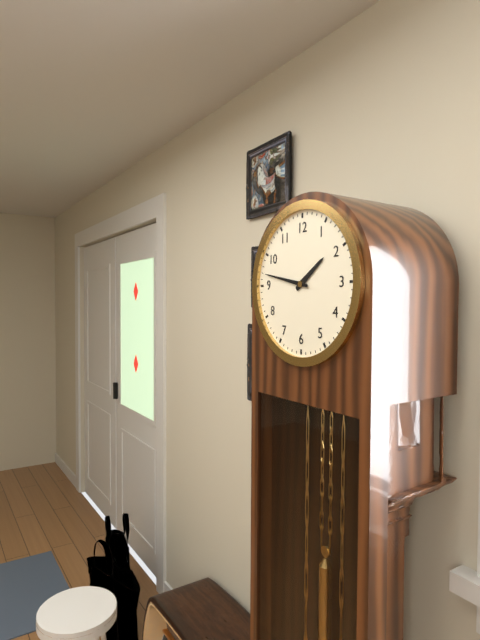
1:47
